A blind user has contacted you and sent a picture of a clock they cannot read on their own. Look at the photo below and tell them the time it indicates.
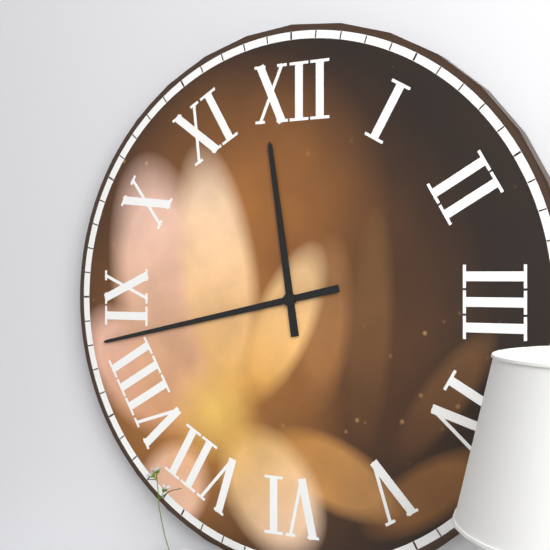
11:43
